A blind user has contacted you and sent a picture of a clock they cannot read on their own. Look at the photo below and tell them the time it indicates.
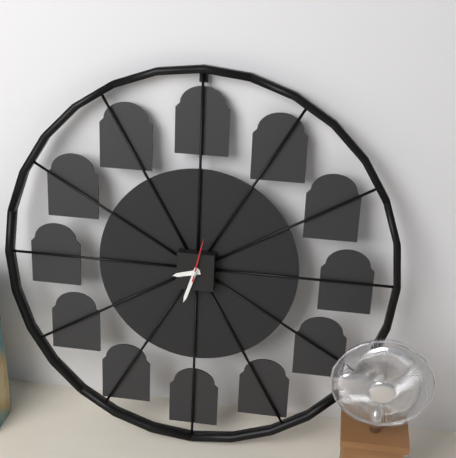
8:33
